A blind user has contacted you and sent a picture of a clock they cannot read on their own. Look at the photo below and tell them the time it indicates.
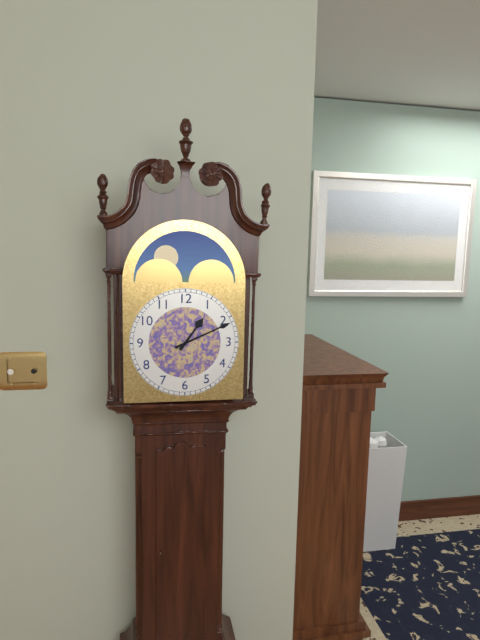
1:11
